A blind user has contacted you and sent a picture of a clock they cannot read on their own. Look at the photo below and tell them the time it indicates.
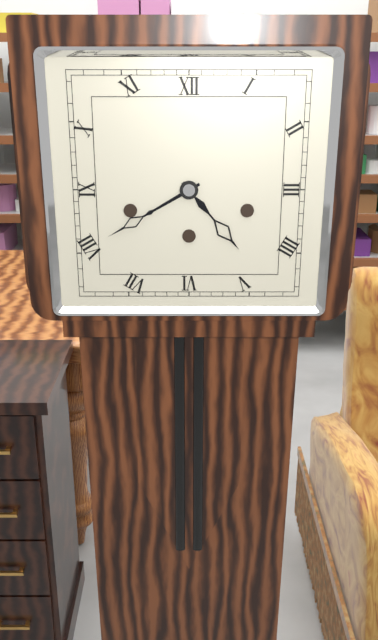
4:40
